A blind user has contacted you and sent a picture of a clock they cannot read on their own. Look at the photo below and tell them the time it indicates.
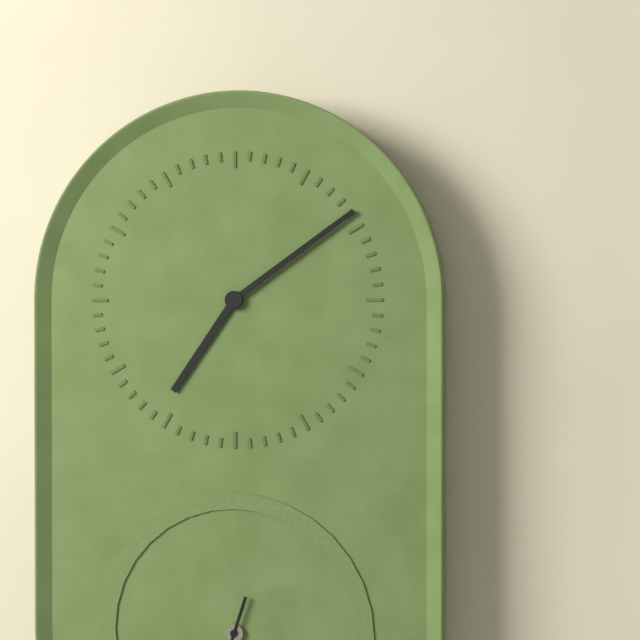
7:09
